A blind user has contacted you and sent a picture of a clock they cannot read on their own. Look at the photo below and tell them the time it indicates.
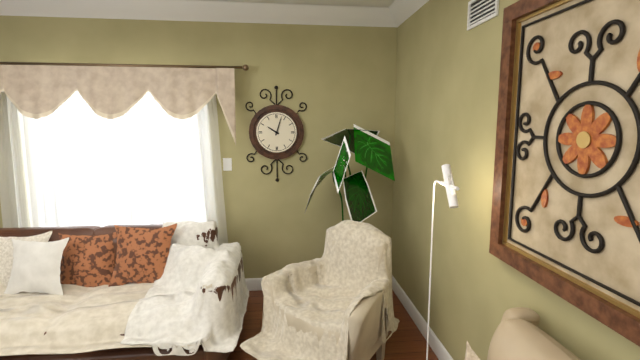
10:03
